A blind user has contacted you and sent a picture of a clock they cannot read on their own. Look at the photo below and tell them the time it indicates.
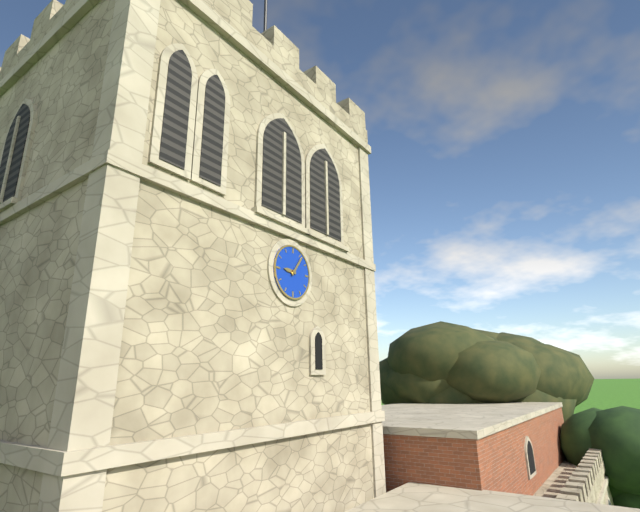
9:06
